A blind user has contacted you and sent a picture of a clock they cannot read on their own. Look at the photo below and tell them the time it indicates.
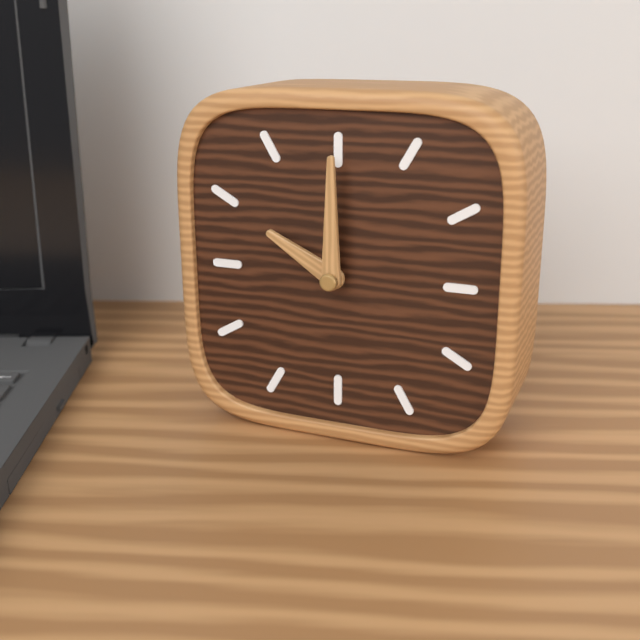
10:00
